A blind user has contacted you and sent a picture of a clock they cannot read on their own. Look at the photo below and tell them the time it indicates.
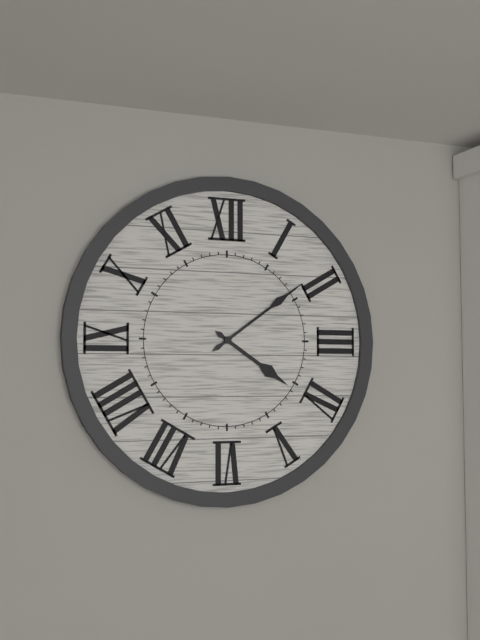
4:09
